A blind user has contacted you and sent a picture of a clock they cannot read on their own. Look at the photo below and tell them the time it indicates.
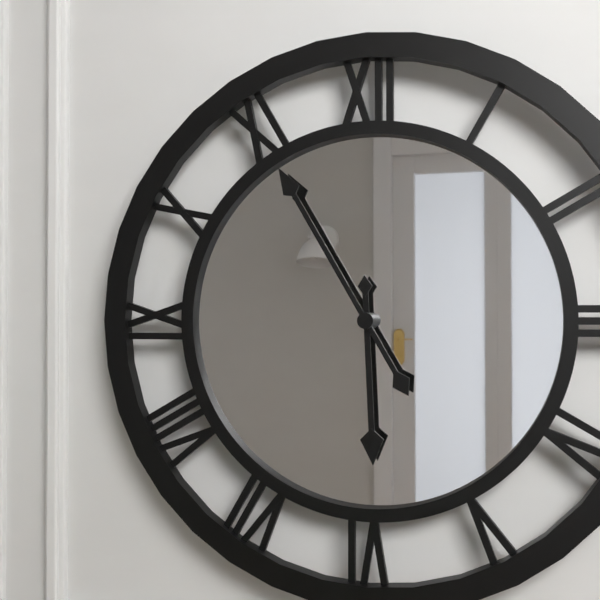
5:55
